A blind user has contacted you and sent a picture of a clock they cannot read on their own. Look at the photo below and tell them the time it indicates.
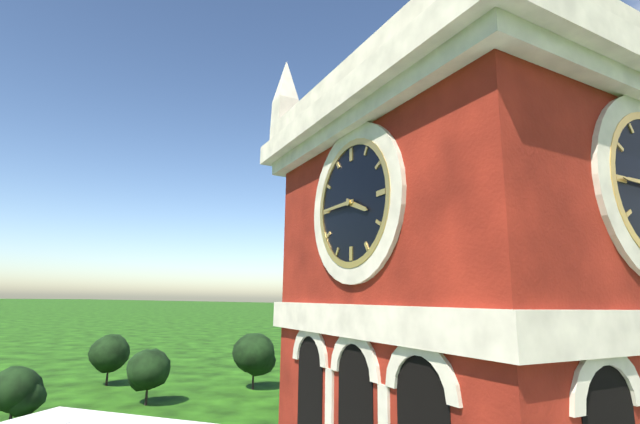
3:45
